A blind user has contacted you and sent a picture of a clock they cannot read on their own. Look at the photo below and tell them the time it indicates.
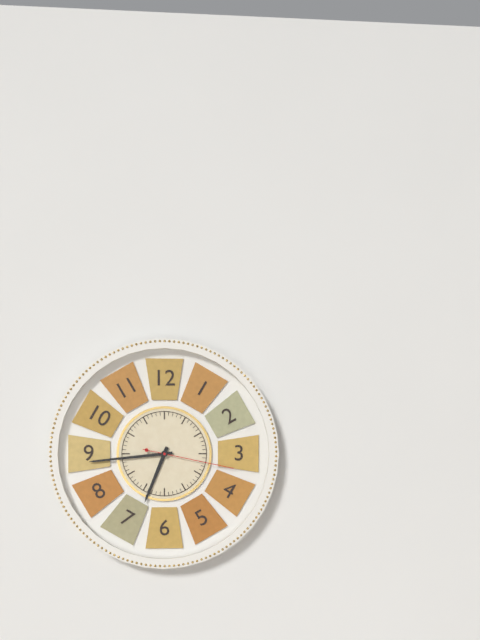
6:44:17
